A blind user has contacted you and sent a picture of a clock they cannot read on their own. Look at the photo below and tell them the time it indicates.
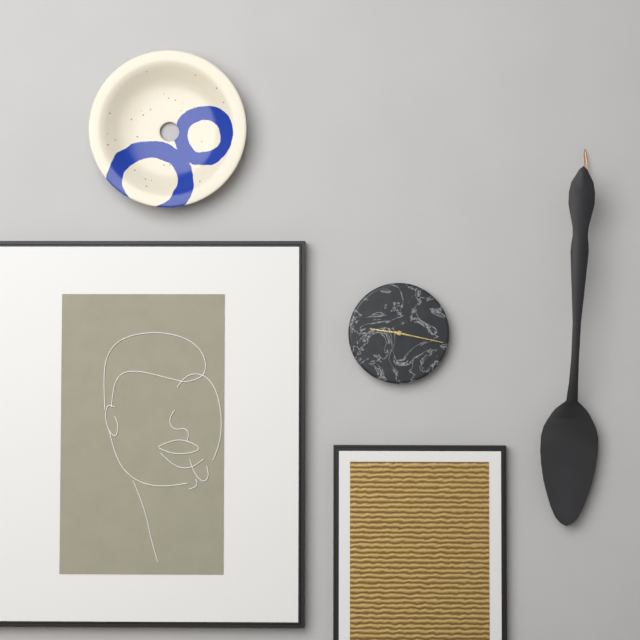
9:17
